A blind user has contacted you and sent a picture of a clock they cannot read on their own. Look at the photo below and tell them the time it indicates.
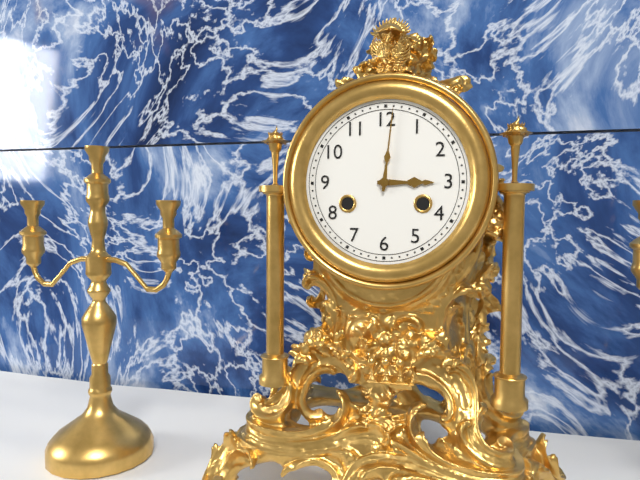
3:01
